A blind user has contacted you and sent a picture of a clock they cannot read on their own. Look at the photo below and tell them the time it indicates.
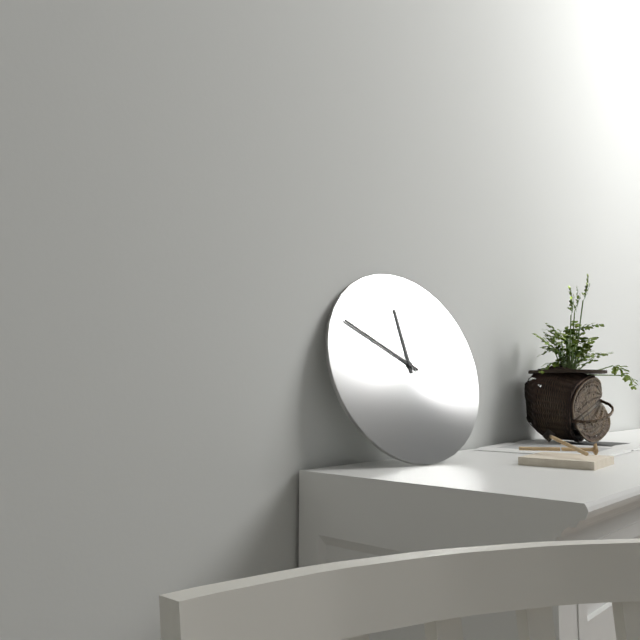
11:50:54
